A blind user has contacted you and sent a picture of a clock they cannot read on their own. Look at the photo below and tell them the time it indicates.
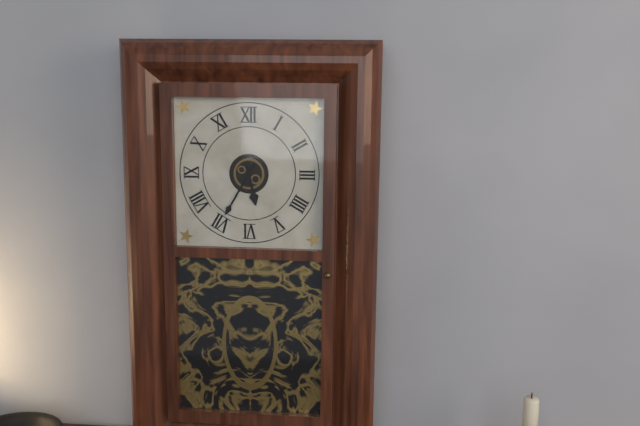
5:35
